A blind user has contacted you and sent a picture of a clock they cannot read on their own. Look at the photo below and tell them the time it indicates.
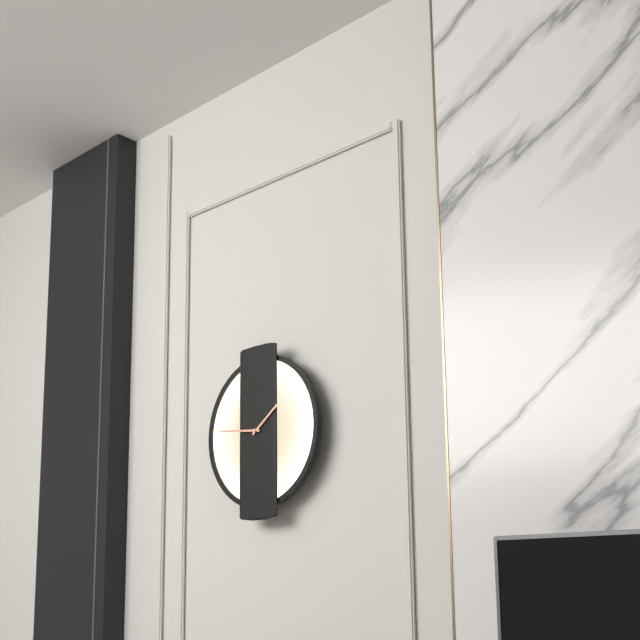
1:46
